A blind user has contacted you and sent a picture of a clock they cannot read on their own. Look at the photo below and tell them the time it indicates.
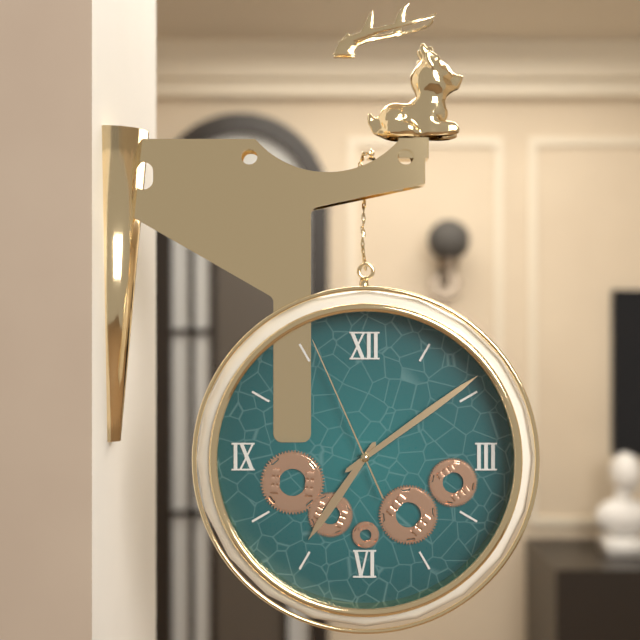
7:09:56
